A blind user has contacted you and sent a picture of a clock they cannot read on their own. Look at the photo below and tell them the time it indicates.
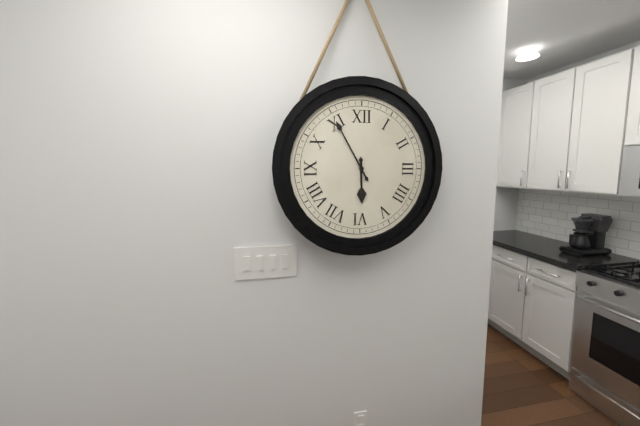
5:55
